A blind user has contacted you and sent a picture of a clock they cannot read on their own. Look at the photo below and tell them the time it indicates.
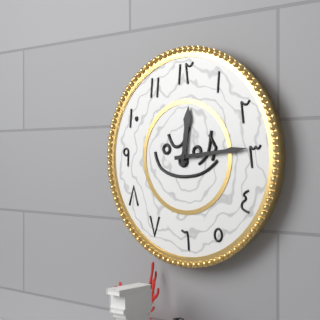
12:14
